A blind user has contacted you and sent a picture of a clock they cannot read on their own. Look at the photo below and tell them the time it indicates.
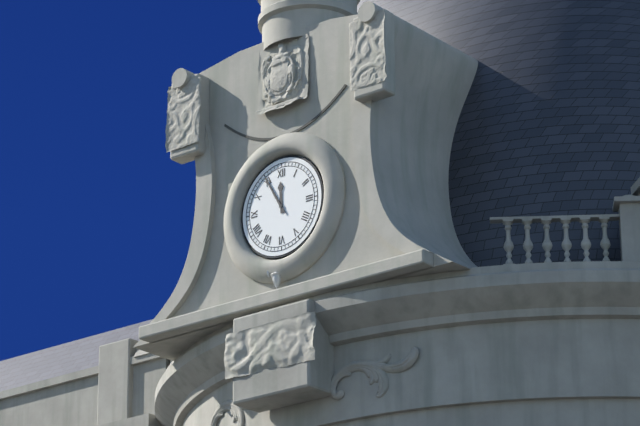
11:55
